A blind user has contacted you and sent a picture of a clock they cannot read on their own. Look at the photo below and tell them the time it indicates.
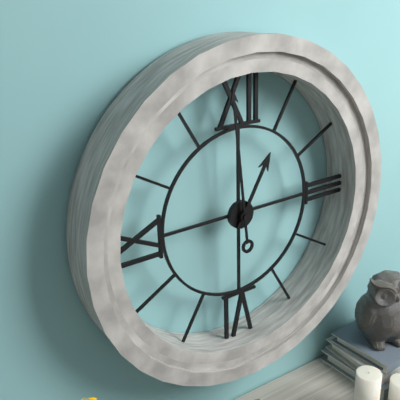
12:59
